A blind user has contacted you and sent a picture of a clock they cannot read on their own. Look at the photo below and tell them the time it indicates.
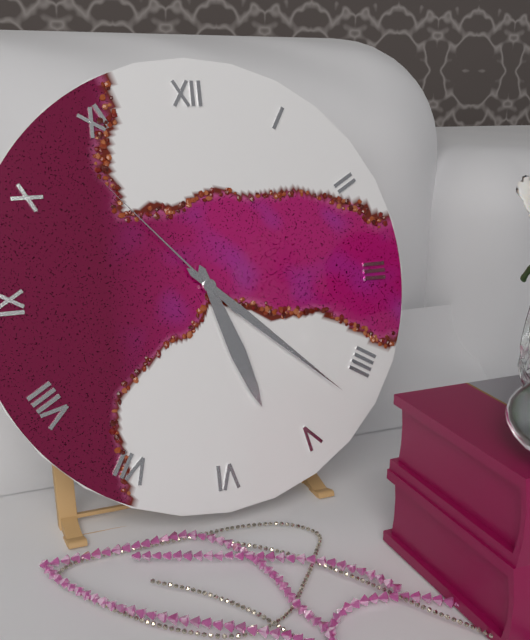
5:22:53
